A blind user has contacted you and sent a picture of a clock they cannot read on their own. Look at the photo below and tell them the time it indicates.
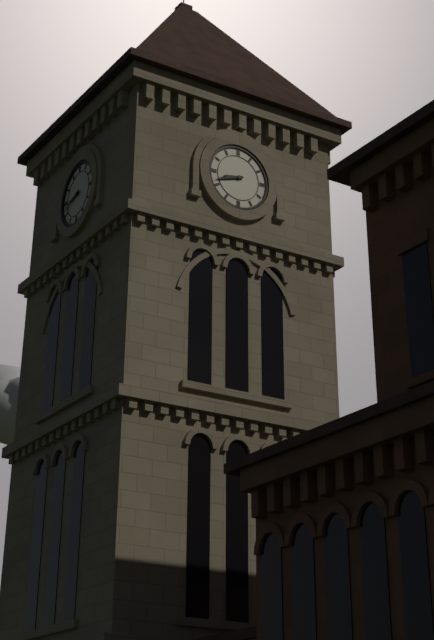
8:42
